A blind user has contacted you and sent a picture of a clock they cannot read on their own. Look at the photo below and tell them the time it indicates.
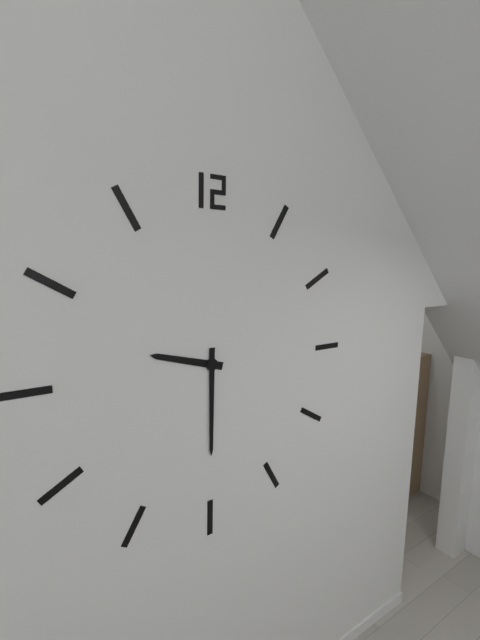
9:30
